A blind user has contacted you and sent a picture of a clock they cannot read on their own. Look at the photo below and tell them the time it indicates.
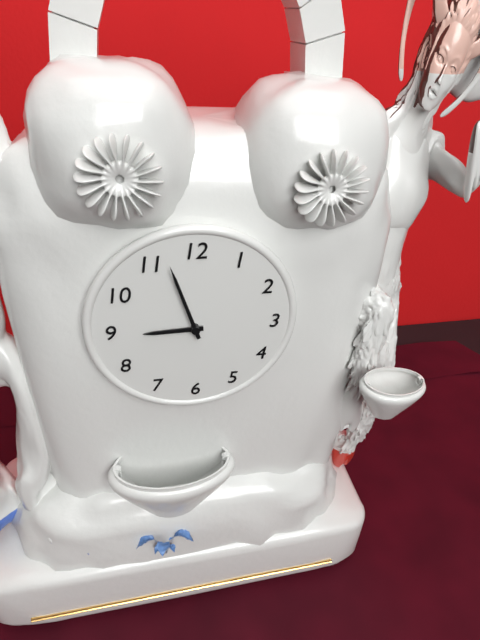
8:57
